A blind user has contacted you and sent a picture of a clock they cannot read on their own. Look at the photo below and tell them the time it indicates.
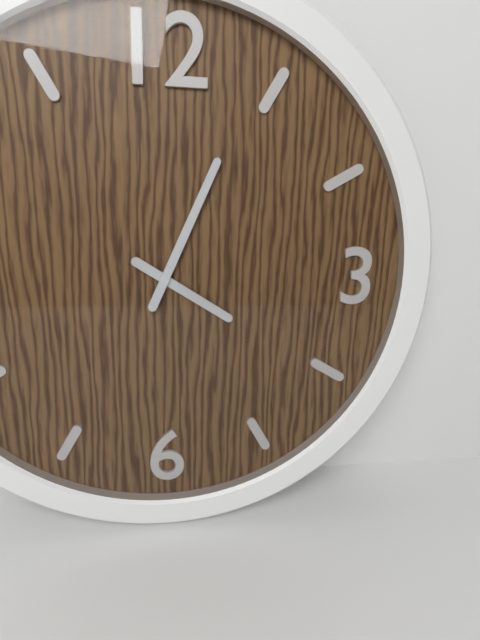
4:04
